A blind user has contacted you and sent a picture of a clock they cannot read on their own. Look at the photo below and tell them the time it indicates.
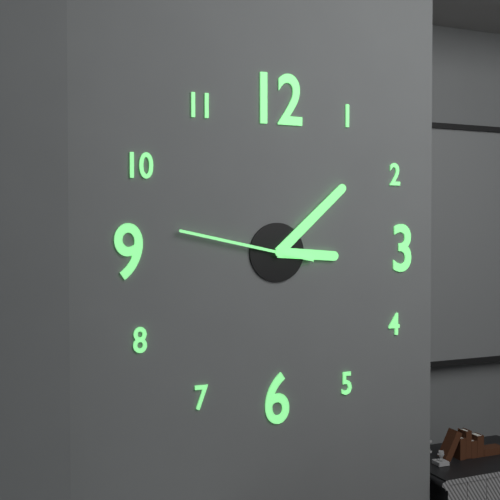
3:08:47
